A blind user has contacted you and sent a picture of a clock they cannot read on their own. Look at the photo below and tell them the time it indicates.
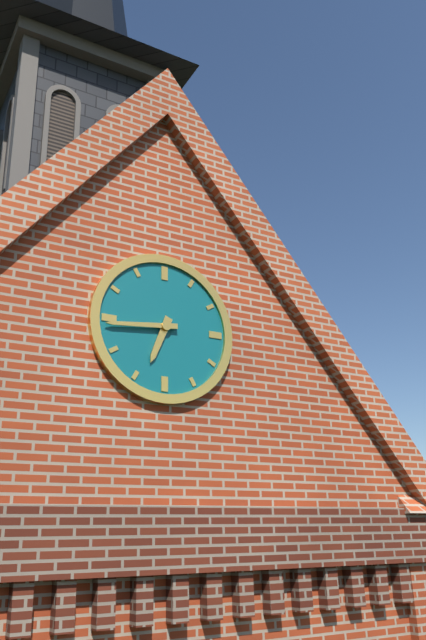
6:44
